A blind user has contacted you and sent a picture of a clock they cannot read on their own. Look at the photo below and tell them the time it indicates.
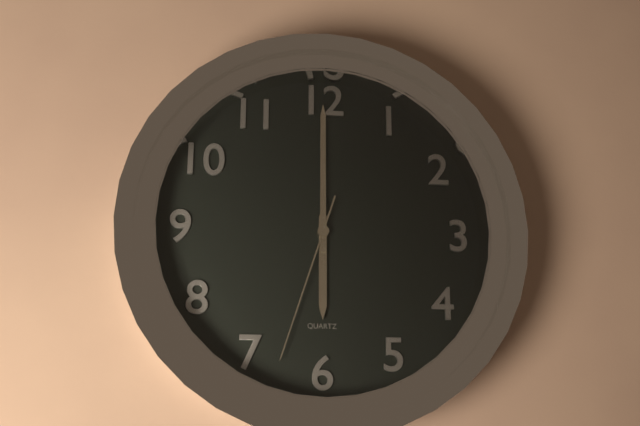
6:00:33
